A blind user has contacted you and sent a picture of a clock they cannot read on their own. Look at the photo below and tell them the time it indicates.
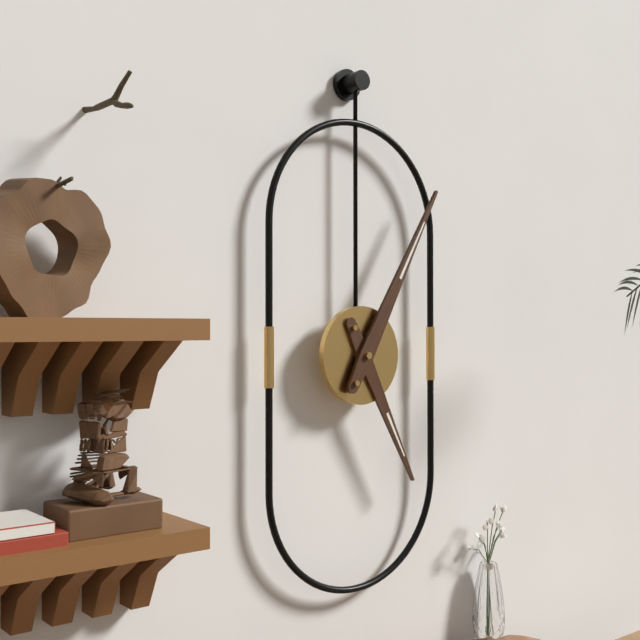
5:05
